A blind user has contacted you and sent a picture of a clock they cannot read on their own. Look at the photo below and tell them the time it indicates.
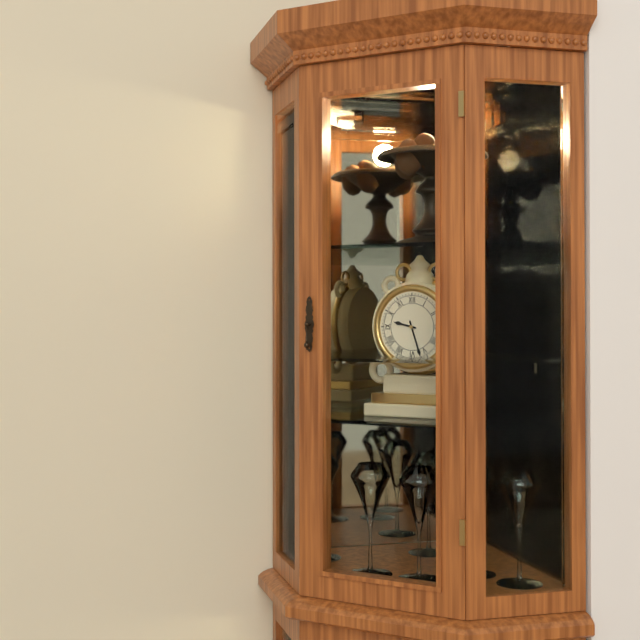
9:27
